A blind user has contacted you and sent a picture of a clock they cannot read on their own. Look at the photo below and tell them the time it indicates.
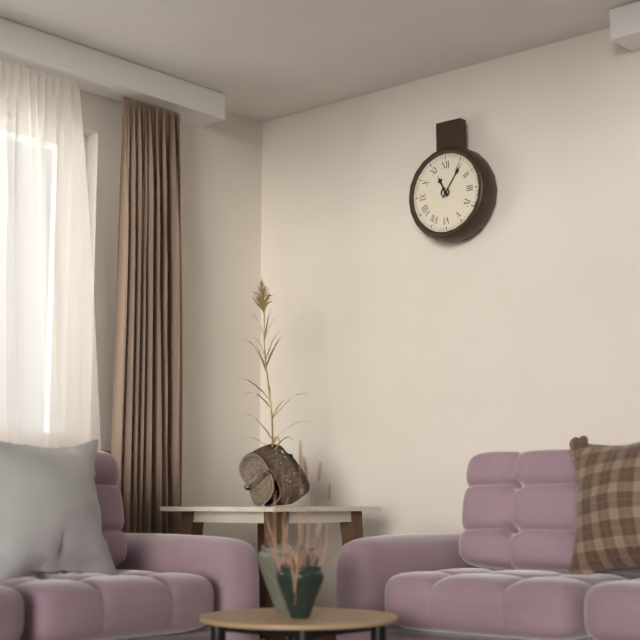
11:06
